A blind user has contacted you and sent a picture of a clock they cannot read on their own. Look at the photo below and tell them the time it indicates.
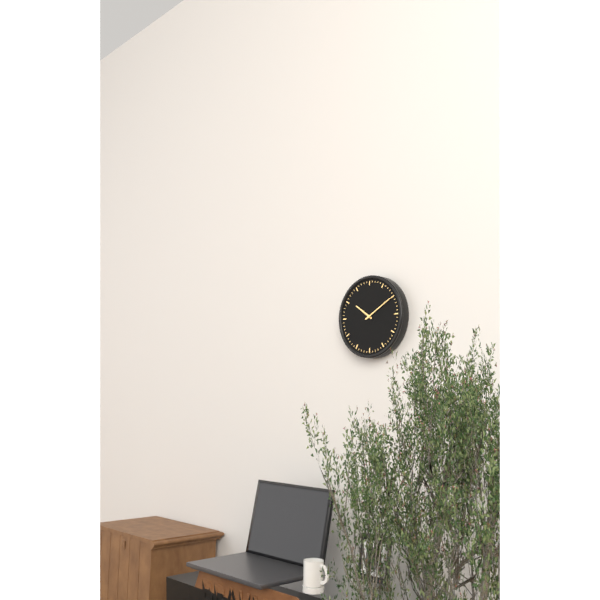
10:10
